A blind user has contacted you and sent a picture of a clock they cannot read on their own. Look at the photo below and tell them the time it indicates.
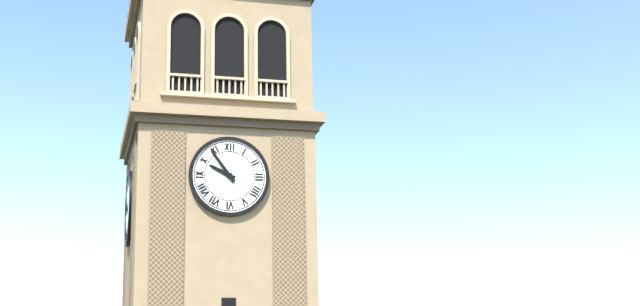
9:54
